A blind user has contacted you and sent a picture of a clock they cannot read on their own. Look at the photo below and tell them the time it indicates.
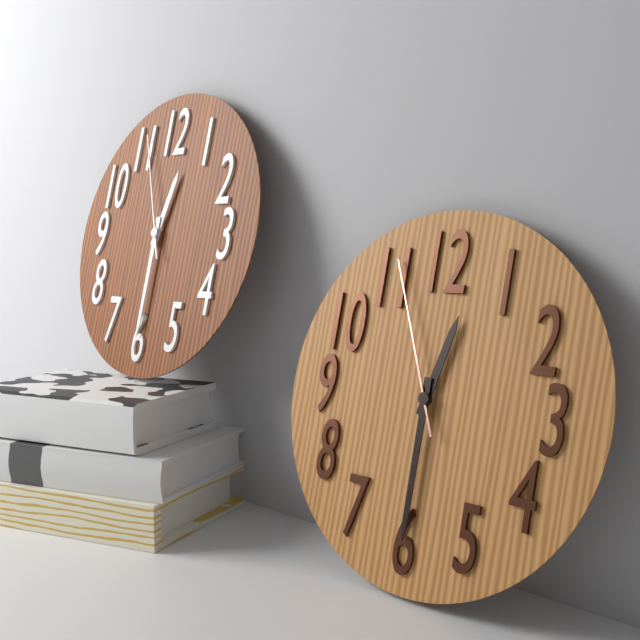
12:30:56
